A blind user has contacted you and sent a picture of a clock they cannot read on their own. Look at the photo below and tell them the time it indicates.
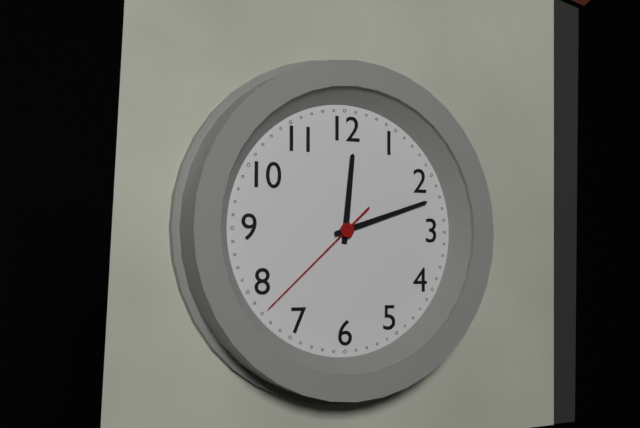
12:12:38
